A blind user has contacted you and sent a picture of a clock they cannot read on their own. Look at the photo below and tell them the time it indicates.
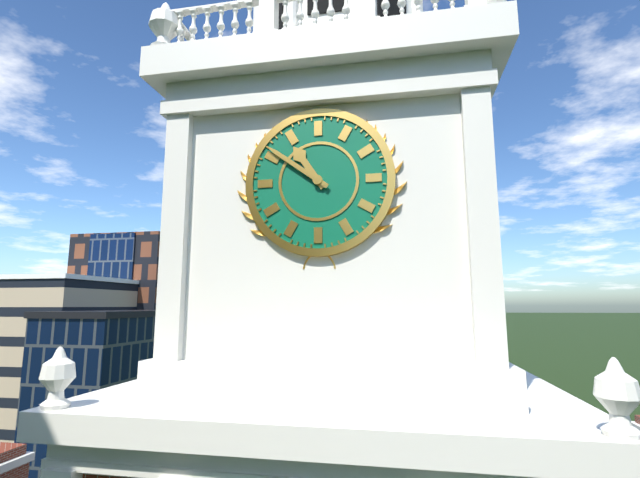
10:51
